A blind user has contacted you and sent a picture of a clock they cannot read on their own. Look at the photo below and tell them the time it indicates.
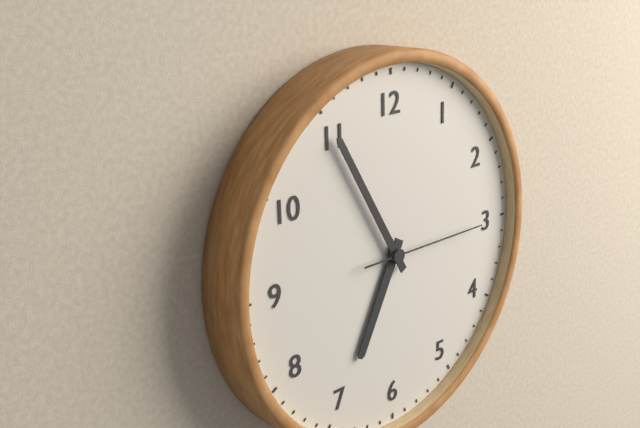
6:55:15
